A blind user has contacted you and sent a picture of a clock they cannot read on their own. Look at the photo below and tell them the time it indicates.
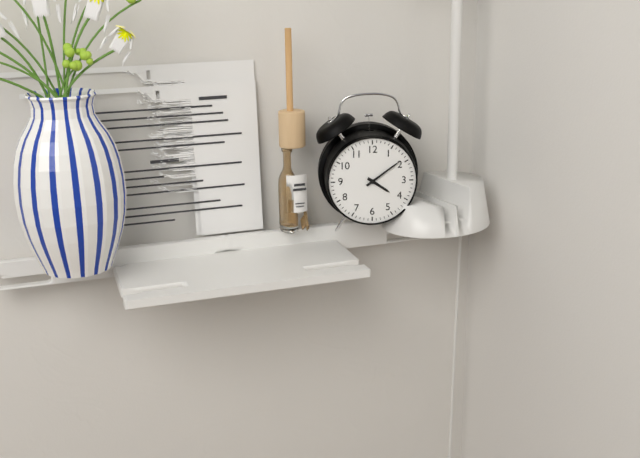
4:09
